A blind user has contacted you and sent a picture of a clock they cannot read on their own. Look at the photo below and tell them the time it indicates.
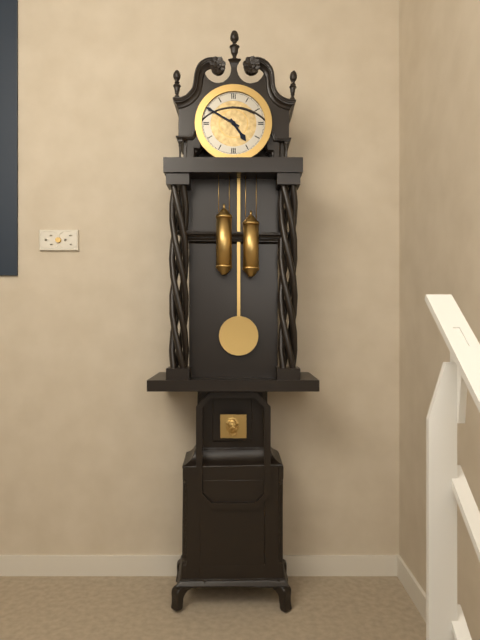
4:50
